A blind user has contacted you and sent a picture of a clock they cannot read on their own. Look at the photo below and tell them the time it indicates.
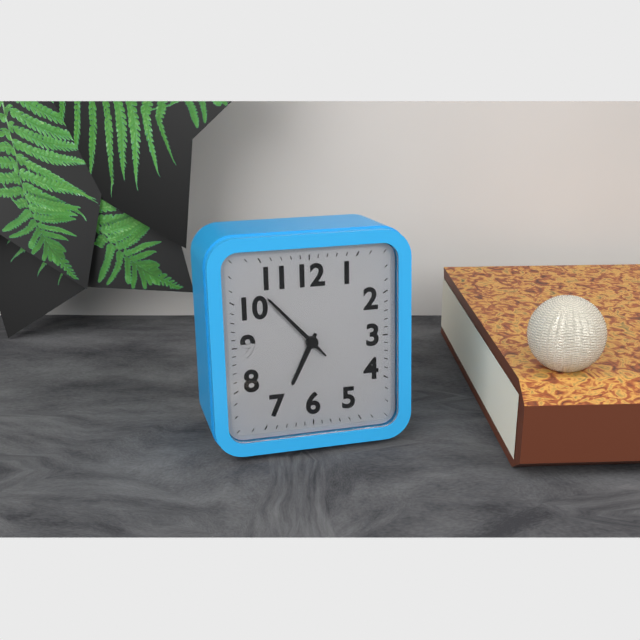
6:53
